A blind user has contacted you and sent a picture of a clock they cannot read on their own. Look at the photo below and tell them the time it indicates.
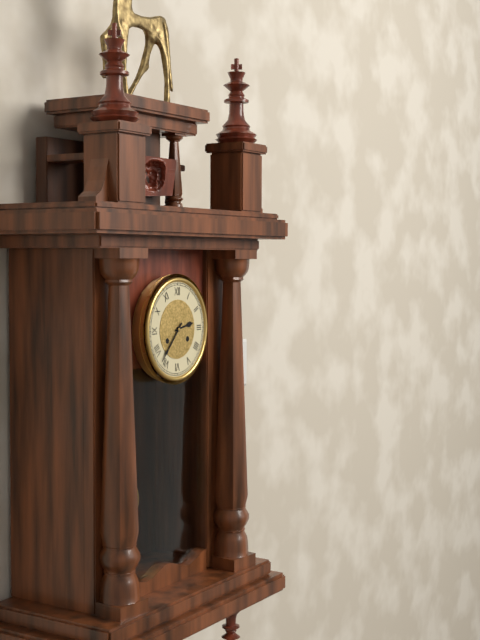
2:37
